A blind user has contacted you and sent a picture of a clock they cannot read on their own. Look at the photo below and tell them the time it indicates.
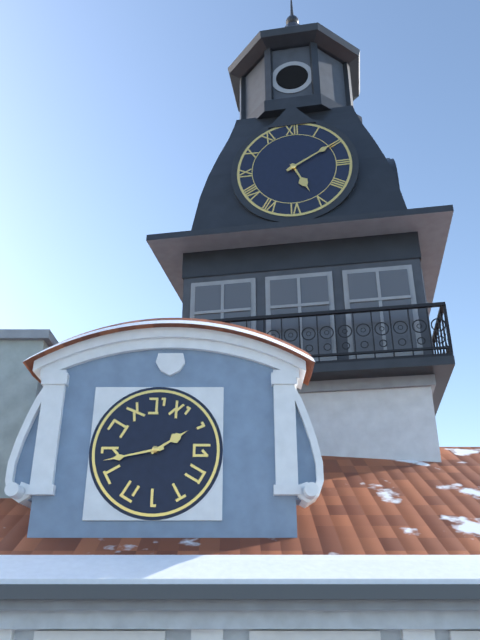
5:10
